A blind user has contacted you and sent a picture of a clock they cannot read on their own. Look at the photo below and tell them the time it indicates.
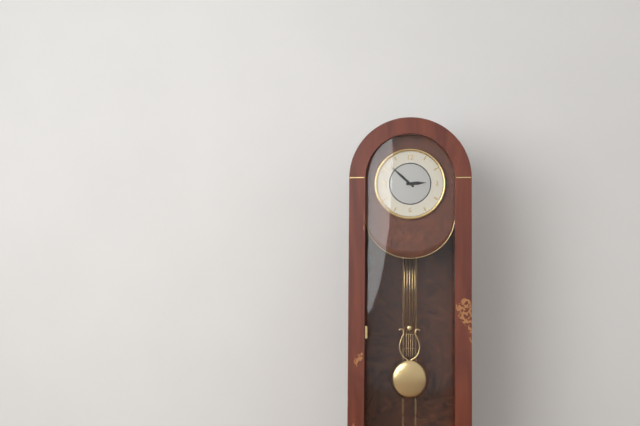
2:52
